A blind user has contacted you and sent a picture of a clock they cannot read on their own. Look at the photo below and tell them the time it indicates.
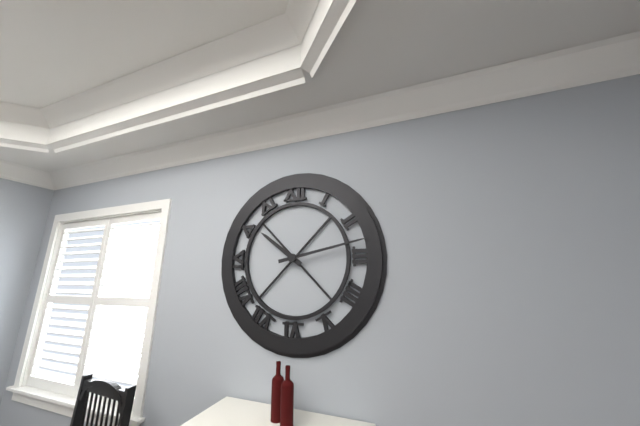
10:13
